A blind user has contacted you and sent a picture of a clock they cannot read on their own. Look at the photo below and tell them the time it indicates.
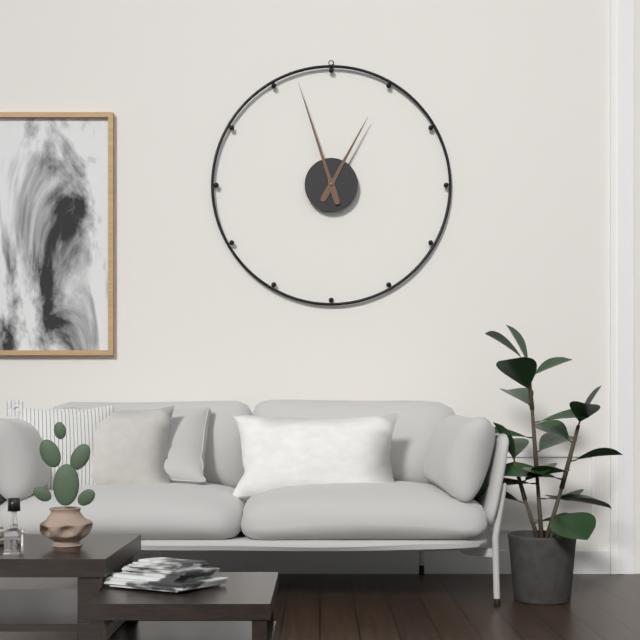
12:57
